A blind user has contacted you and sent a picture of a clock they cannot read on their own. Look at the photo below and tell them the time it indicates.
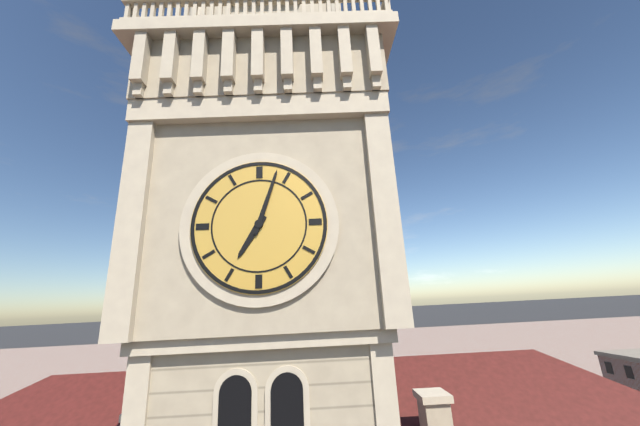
7:03
